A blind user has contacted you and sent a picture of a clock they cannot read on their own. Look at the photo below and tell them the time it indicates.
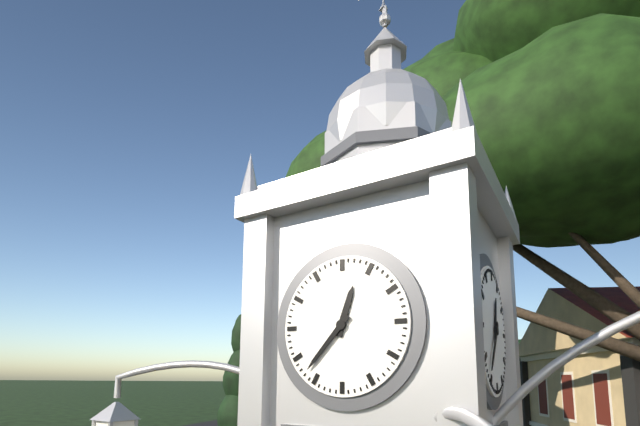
12:37
